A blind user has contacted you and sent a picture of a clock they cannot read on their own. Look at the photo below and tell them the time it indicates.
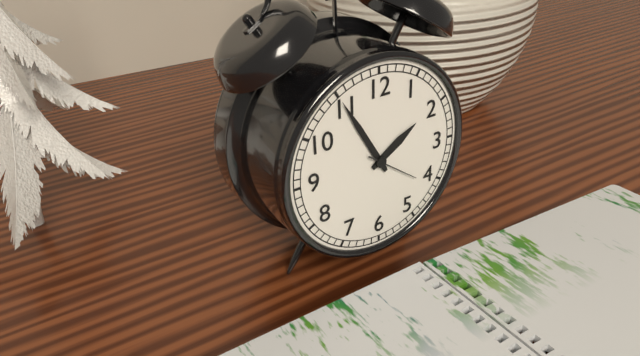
1:55
